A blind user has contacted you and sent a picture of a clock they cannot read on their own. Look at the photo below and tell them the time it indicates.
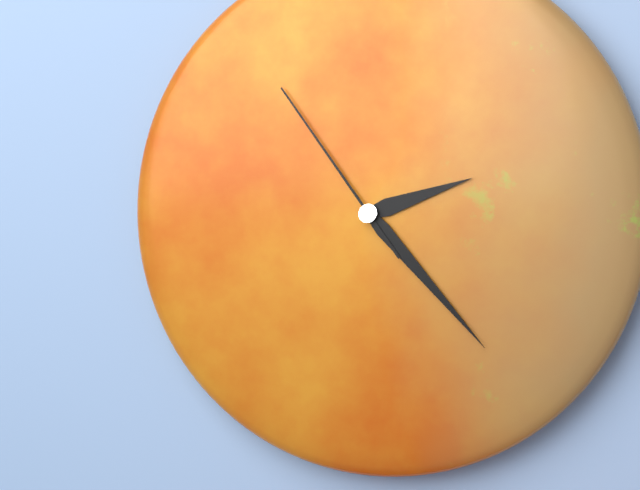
2:23:54
